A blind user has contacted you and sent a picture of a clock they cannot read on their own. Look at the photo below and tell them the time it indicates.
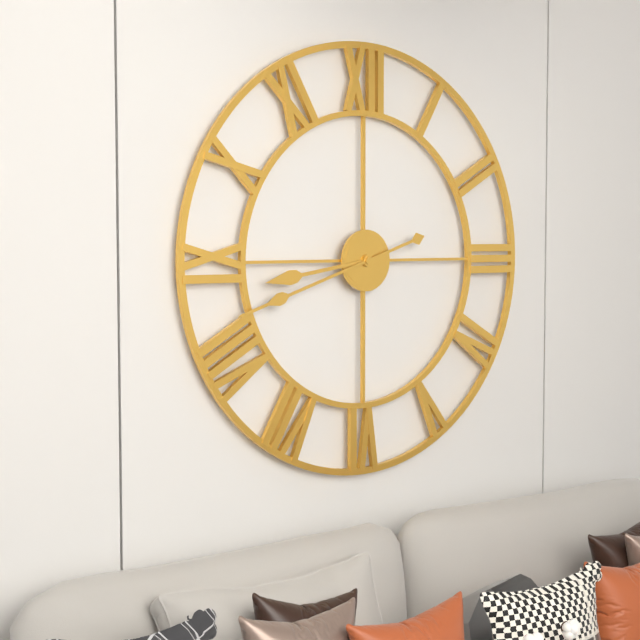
8:42
